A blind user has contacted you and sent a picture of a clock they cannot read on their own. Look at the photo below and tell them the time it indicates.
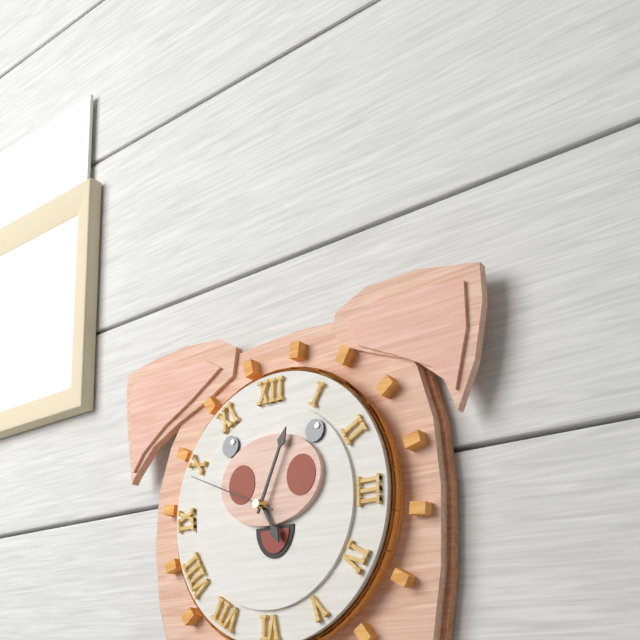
5:04:49
